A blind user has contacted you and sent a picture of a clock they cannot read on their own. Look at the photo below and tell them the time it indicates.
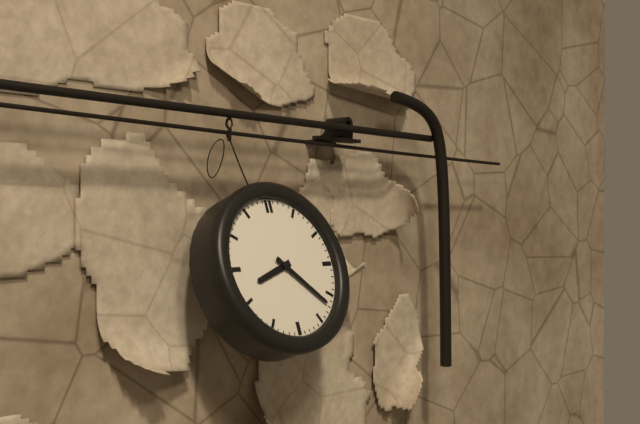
8:22
